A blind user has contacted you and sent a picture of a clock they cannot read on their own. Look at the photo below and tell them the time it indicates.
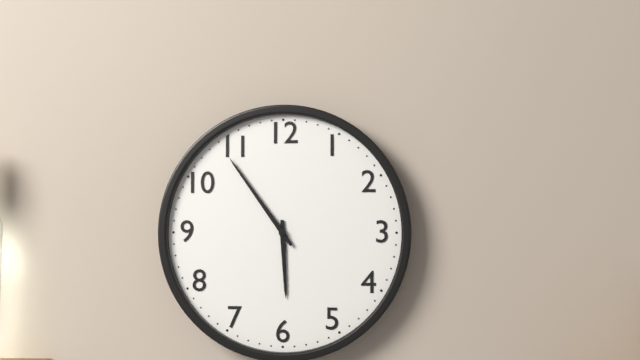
5:54
